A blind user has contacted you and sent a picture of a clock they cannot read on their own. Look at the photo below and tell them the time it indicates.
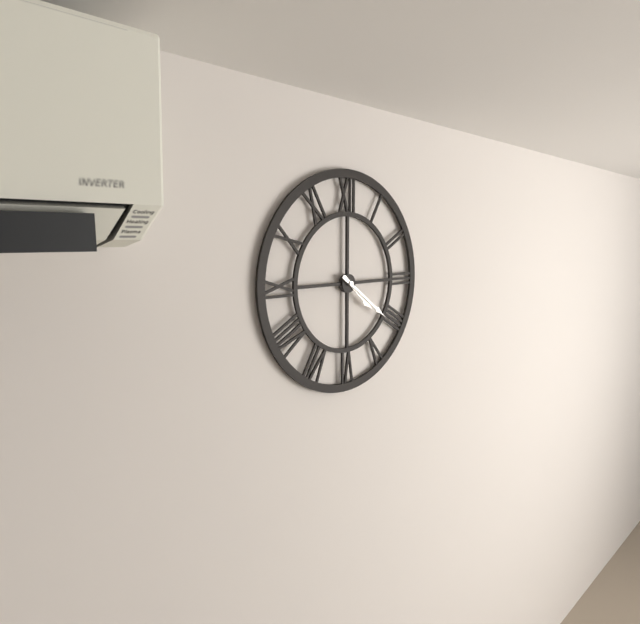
4:21
